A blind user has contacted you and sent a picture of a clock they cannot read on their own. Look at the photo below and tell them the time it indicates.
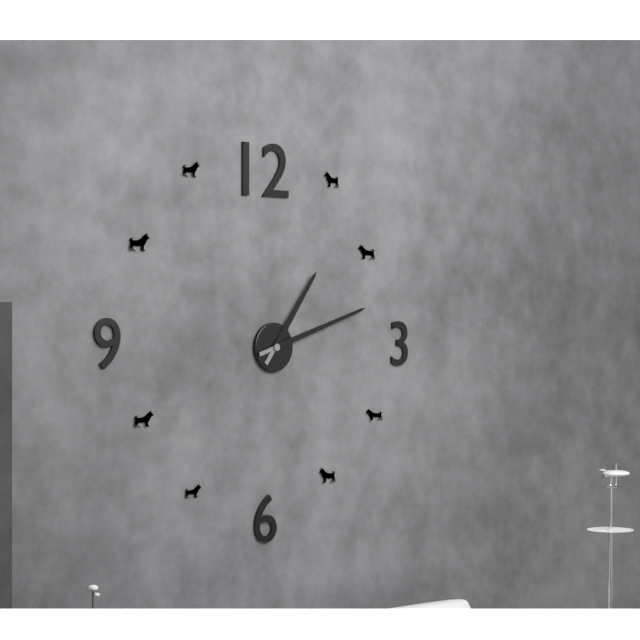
1:12
